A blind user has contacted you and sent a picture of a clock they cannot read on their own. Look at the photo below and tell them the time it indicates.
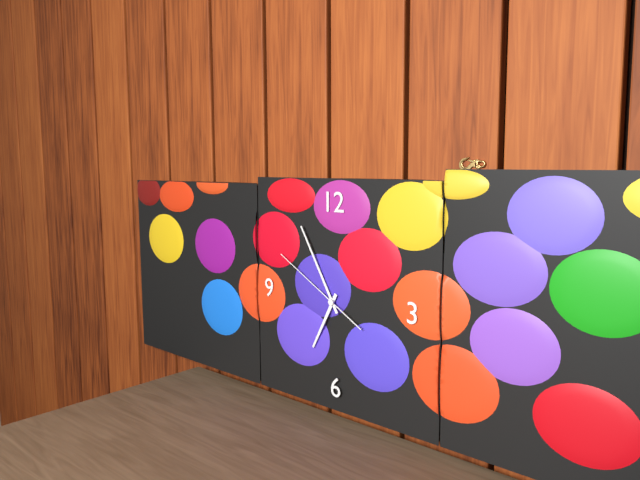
6:55:50
